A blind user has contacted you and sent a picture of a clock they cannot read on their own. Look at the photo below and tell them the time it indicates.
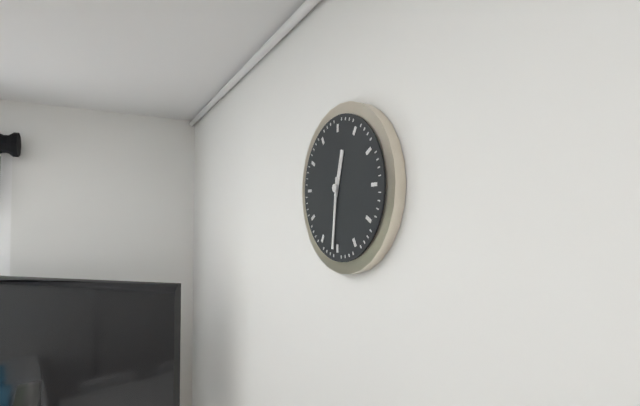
12:31
